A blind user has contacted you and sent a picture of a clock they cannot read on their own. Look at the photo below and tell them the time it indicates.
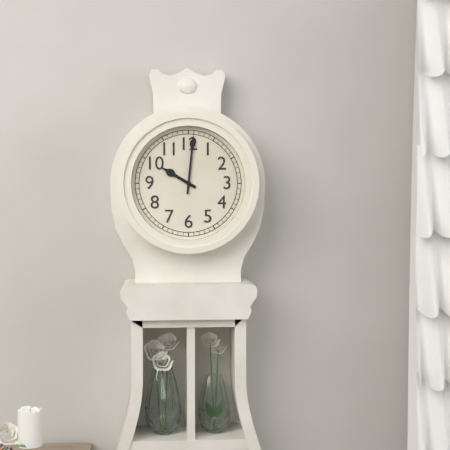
10:01
